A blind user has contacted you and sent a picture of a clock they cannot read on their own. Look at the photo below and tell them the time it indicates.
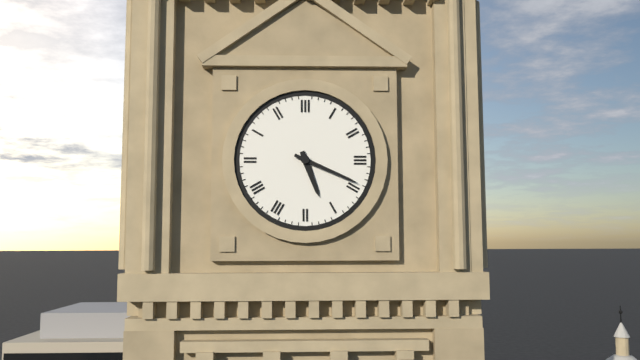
5:19
